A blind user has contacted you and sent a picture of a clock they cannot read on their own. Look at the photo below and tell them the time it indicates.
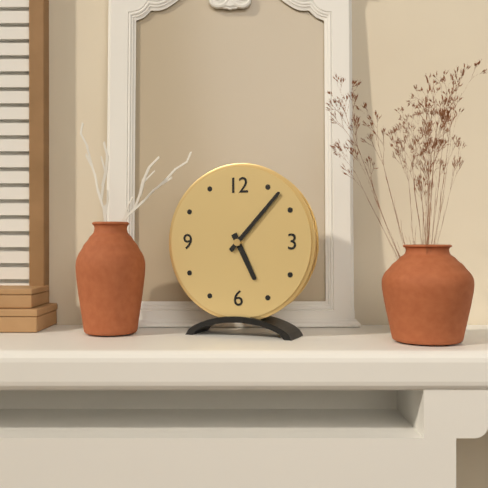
5:07
